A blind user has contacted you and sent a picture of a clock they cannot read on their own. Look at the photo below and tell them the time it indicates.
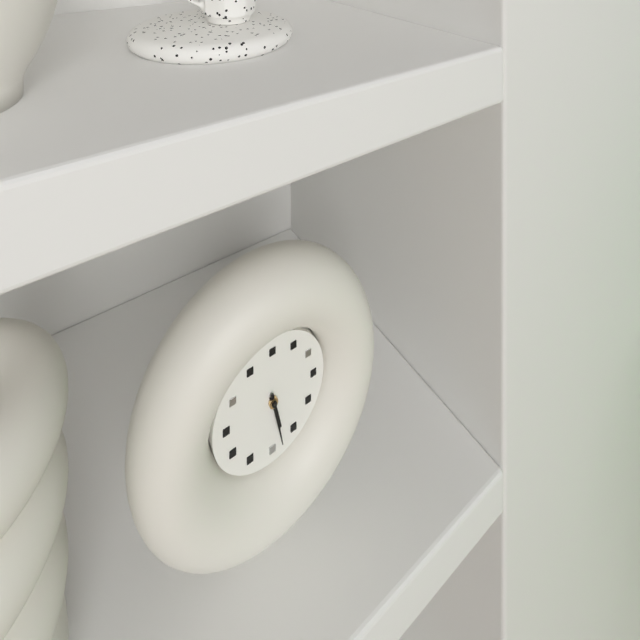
5:28
